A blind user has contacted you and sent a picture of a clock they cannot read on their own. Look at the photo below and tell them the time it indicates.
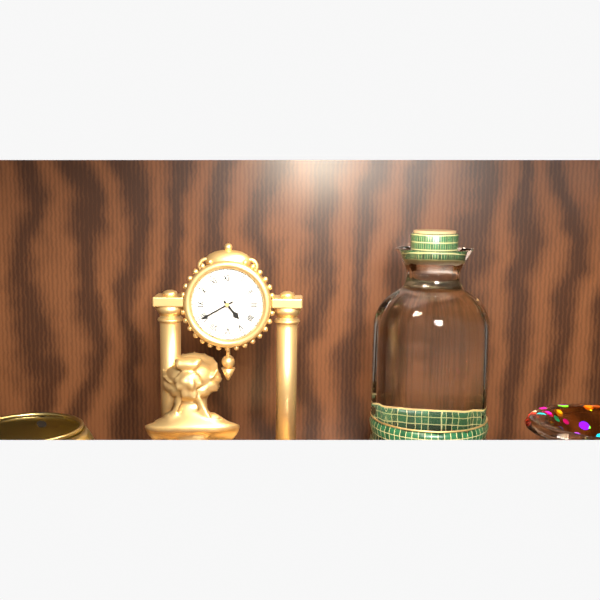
4:40
